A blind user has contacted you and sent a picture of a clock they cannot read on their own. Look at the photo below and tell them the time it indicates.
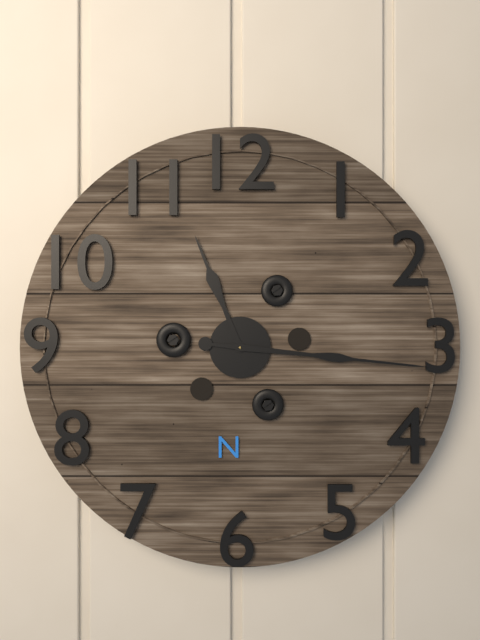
11:16
